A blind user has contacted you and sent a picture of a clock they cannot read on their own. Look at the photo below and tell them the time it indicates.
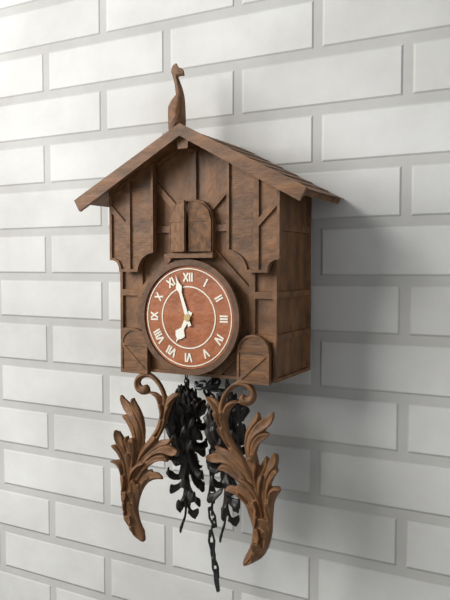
6:57
